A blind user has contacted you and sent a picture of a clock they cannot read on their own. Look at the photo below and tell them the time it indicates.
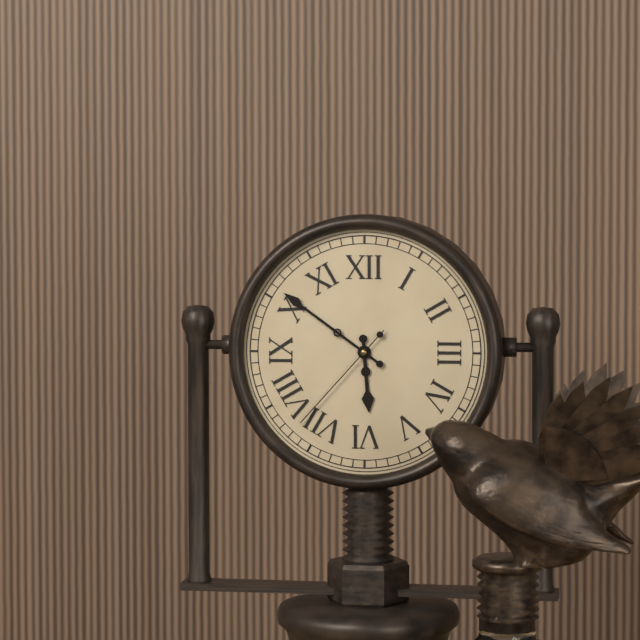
5:51:37
